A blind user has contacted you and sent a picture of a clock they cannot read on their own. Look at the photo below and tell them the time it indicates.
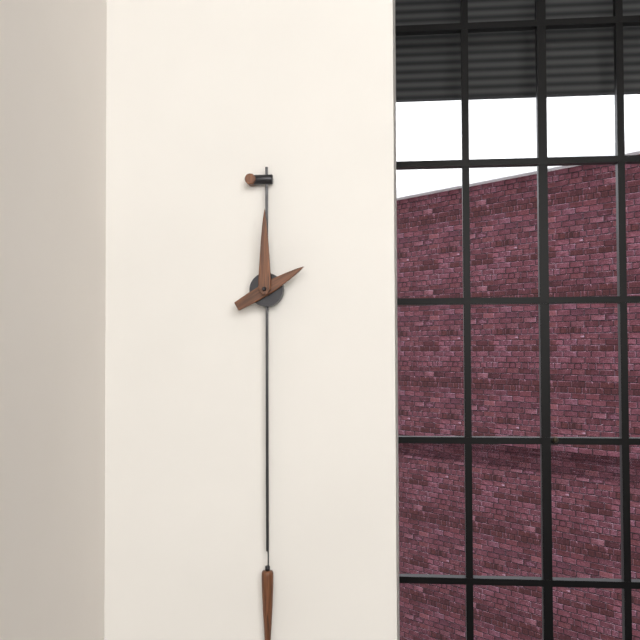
2:00
